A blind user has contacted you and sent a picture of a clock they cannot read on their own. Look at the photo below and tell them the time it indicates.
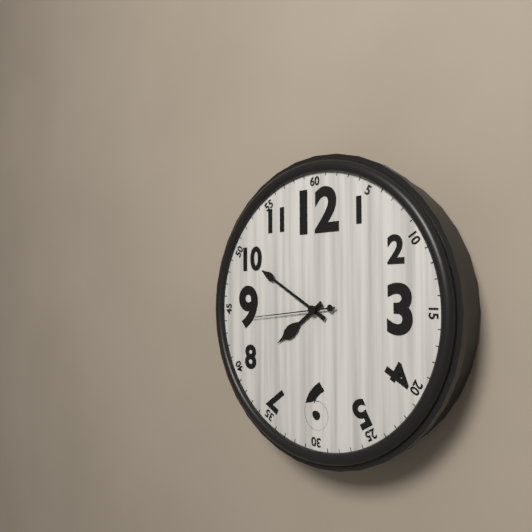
7:50:44
